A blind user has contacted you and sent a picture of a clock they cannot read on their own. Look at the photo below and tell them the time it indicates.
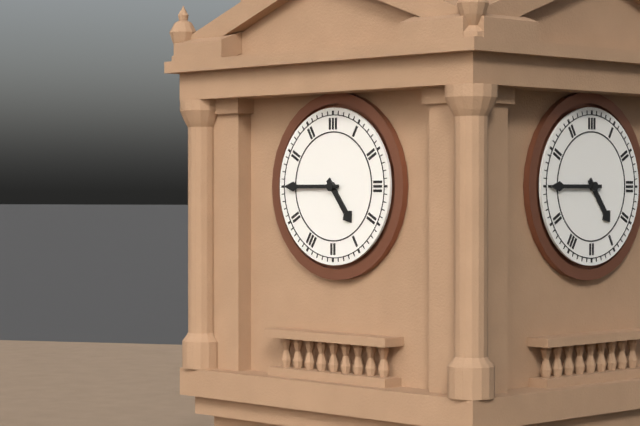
4:45
